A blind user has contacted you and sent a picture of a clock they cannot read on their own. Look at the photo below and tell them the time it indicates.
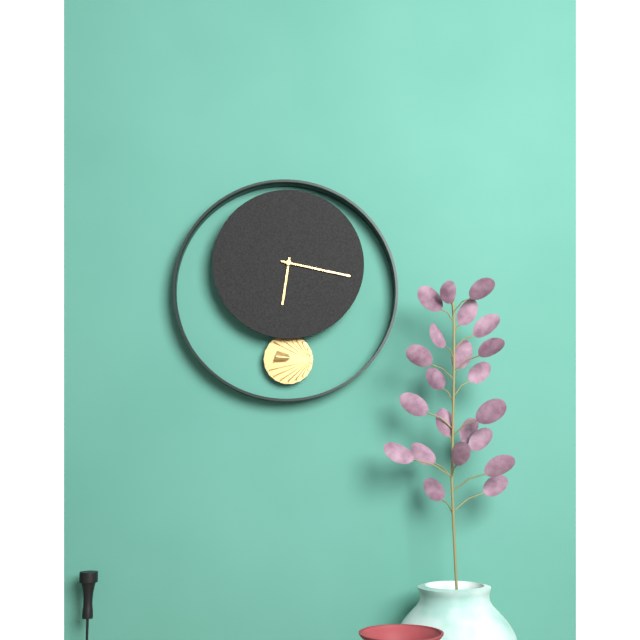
6:17
